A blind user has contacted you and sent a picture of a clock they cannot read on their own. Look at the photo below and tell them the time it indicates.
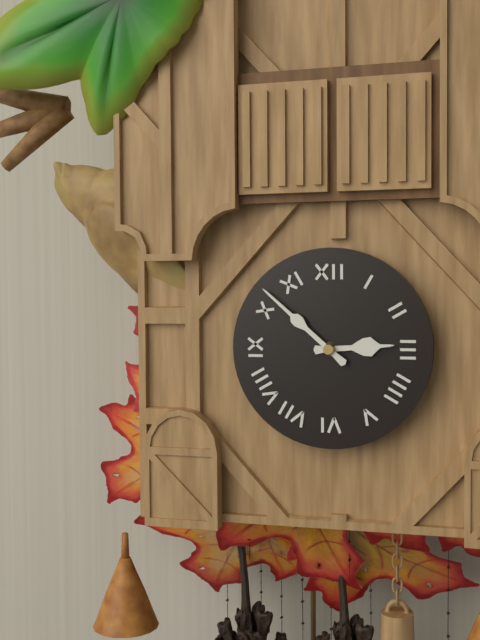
2:52
